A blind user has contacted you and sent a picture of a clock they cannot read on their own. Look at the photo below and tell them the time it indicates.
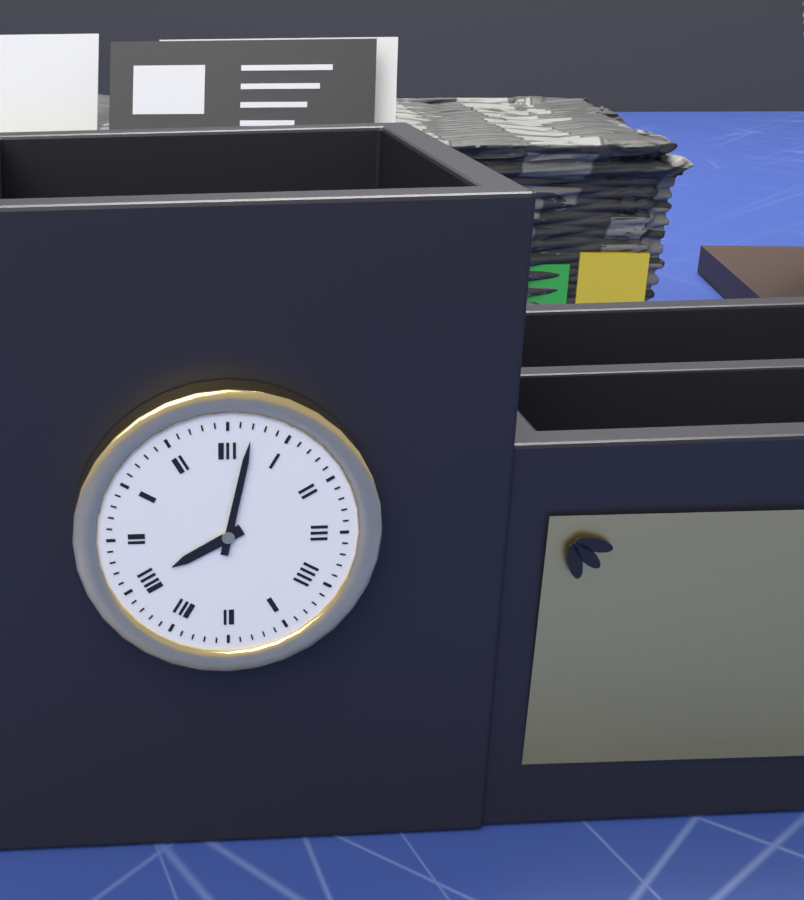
8:02
